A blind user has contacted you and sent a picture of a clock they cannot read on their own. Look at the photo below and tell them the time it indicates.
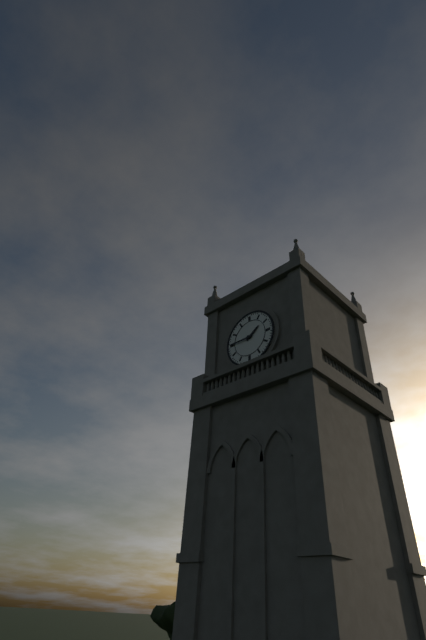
1:45
